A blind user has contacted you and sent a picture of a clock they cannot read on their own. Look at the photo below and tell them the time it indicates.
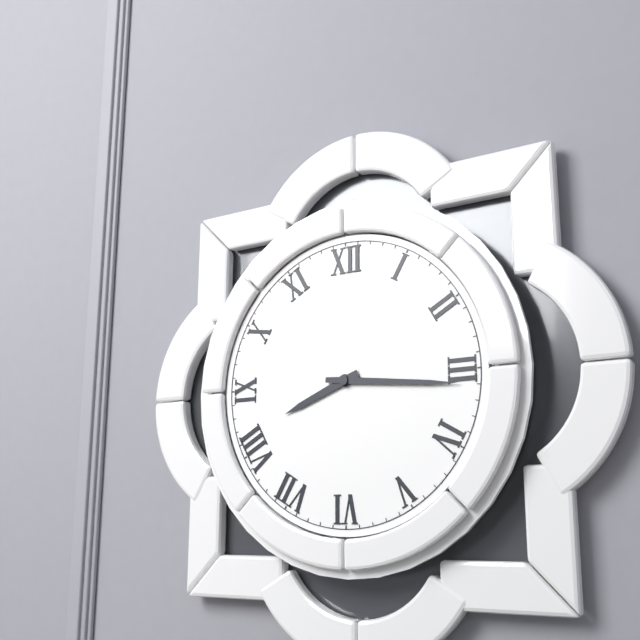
8:16
